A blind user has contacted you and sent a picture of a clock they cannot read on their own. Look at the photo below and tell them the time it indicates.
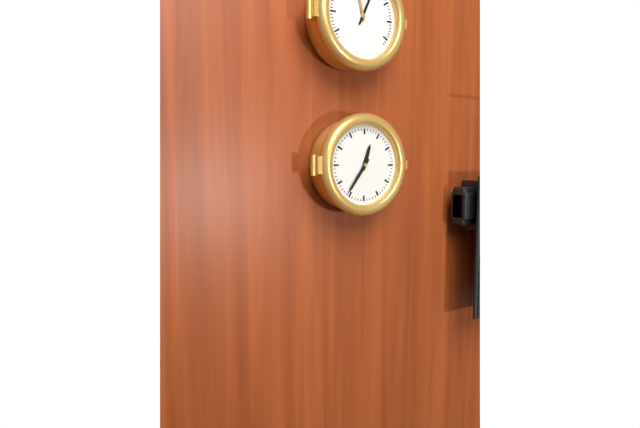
12:36
